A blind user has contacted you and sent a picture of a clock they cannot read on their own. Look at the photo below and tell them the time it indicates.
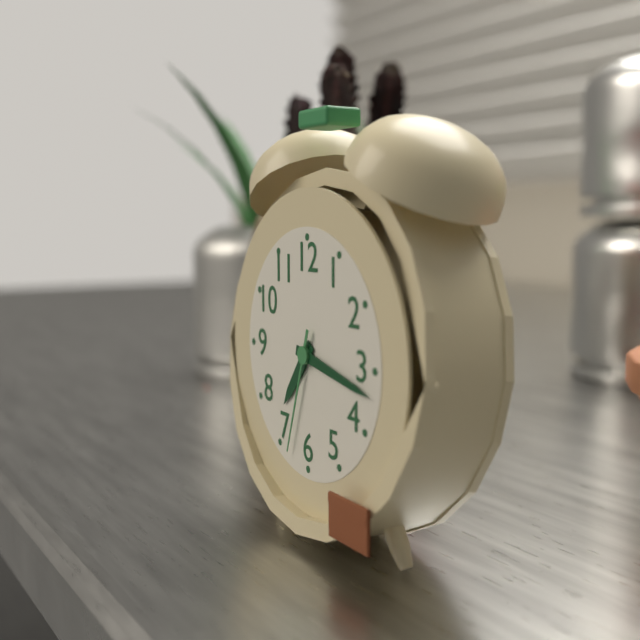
7:17:33
